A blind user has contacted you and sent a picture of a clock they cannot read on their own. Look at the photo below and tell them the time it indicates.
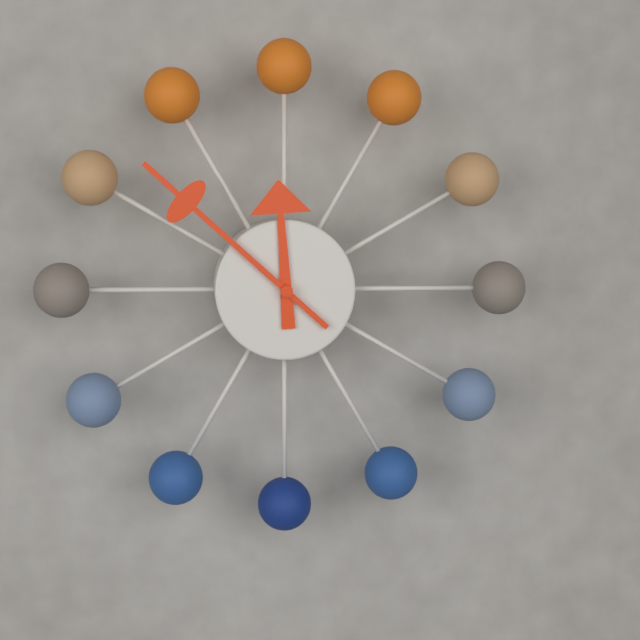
11:52
